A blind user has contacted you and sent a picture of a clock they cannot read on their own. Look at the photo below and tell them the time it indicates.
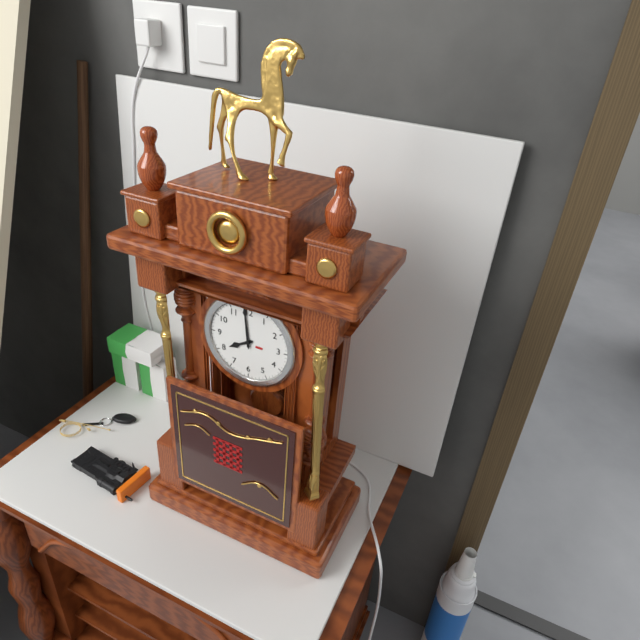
7:59
